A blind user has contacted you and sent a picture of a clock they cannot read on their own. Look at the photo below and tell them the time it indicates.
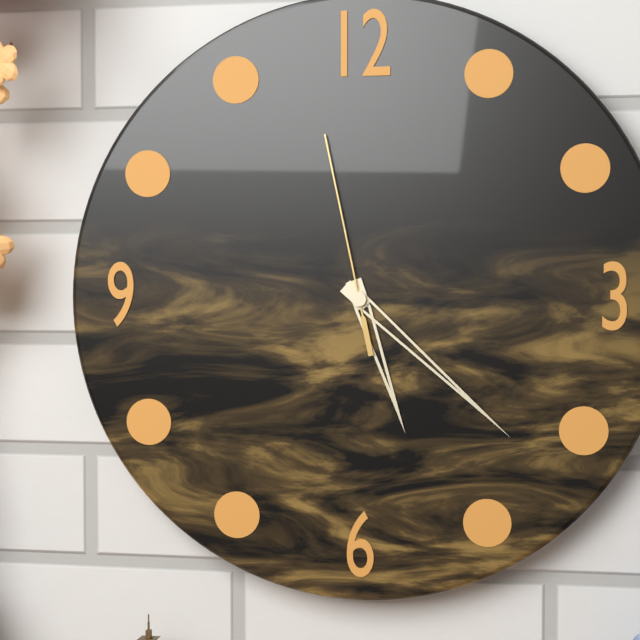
5:22:58
